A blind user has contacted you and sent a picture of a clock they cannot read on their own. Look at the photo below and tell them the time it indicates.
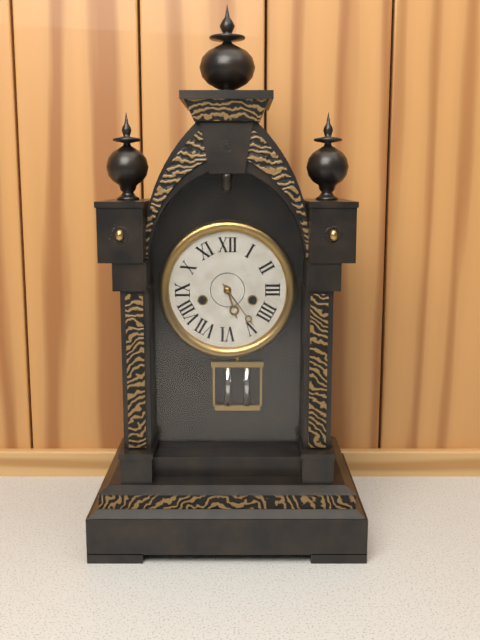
5:24
